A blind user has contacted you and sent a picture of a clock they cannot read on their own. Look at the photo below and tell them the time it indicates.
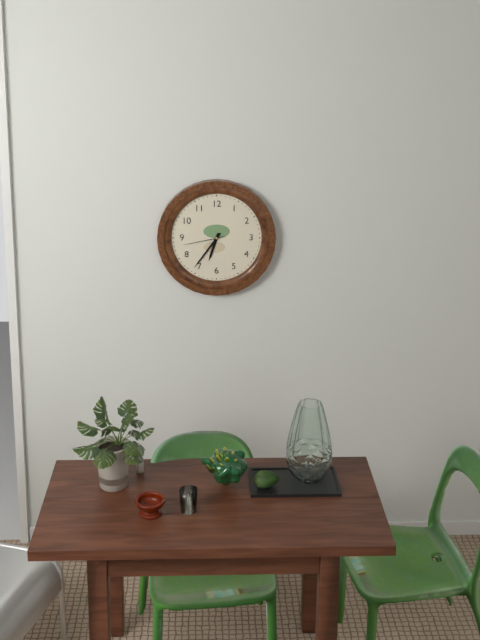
6:36
